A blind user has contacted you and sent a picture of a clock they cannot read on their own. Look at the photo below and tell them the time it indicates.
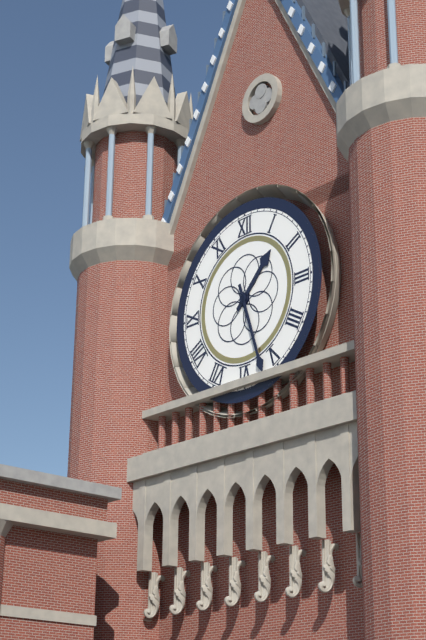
1:27
